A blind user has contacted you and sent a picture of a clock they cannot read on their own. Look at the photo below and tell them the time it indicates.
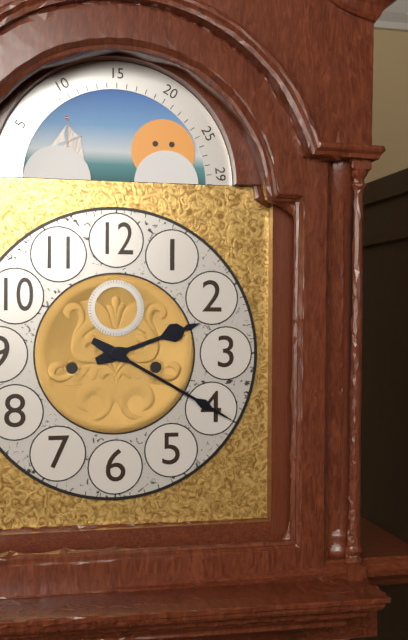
2:20
